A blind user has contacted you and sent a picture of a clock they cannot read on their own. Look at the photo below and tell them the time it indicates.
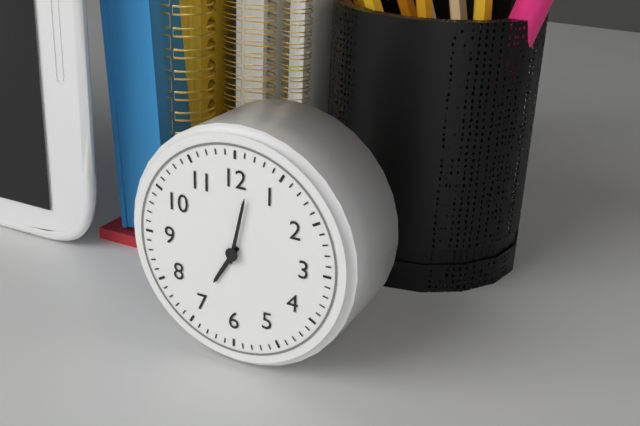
7:02
